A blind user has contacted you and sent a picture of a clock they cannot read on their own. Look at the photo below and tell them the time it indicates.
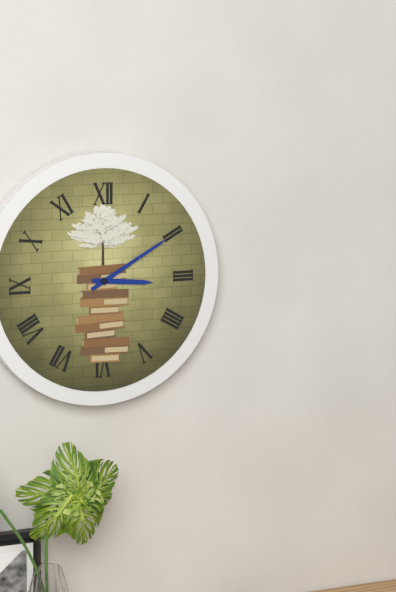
3:10
